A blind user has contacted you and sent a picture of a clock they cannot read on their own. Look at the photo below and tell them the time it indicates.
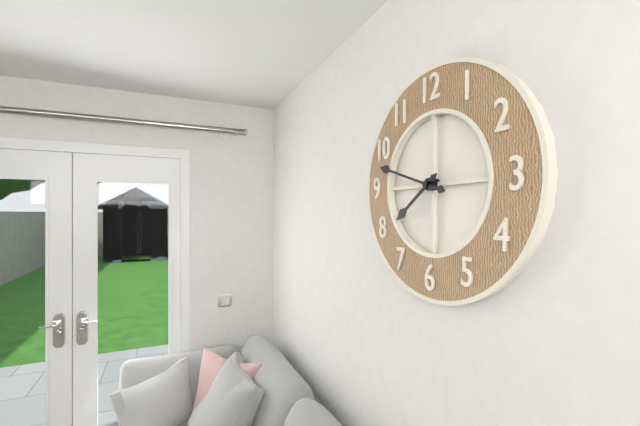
7:48
